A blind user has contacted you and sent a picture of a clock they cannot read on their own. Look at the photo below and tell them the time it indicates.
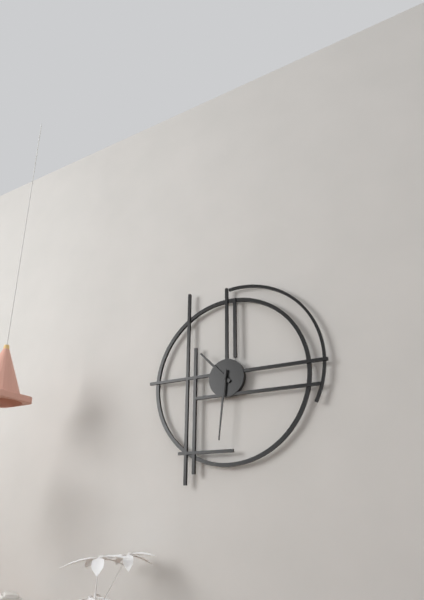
10:31
